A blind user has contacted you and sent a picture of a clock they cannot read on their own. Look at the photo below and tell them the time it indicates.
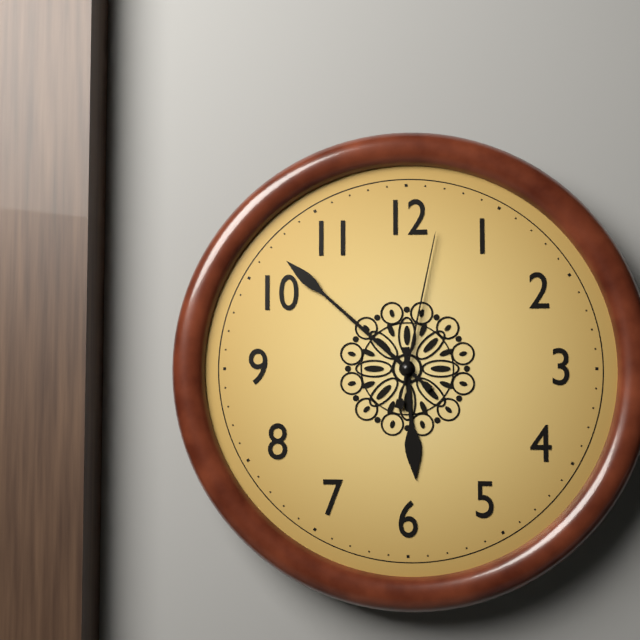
5:52:02
